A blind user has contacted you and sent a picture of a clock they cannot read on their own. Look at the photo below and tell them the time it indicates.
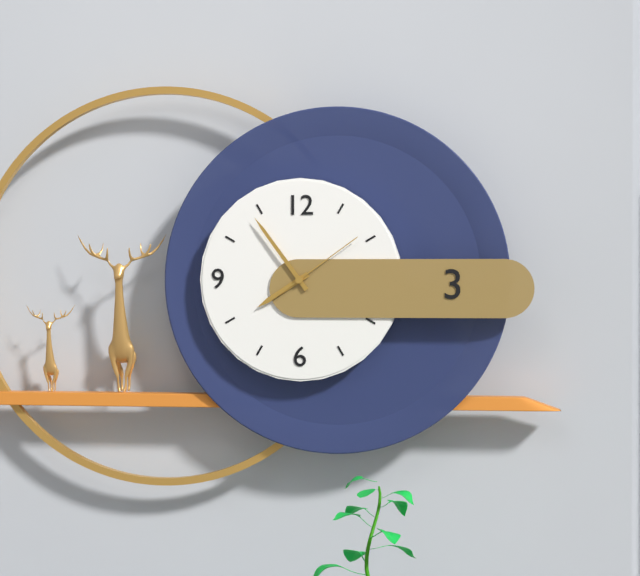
7:54:09
